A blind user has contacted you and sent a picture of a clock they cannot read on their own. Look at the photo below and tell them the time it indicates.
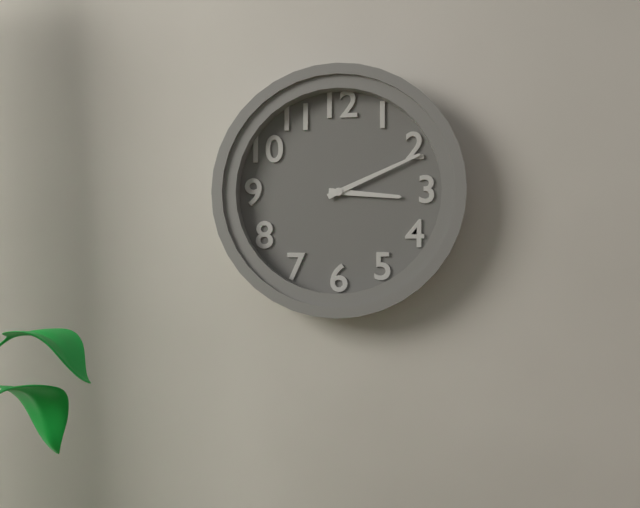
3:11
